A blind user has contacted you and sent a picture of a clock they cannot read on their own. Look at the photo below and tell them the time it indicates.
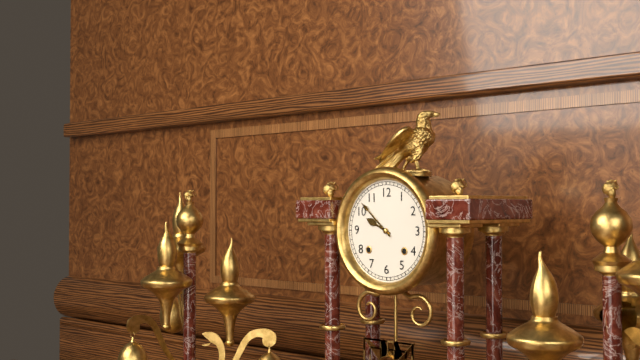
9:52
